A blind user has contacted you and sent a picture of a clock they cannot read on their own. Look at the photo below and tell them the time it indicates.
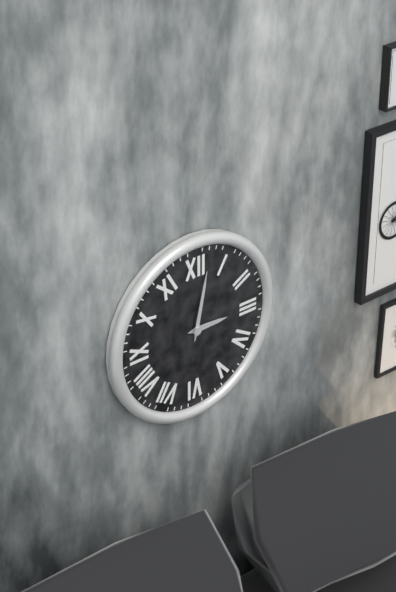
3:02
